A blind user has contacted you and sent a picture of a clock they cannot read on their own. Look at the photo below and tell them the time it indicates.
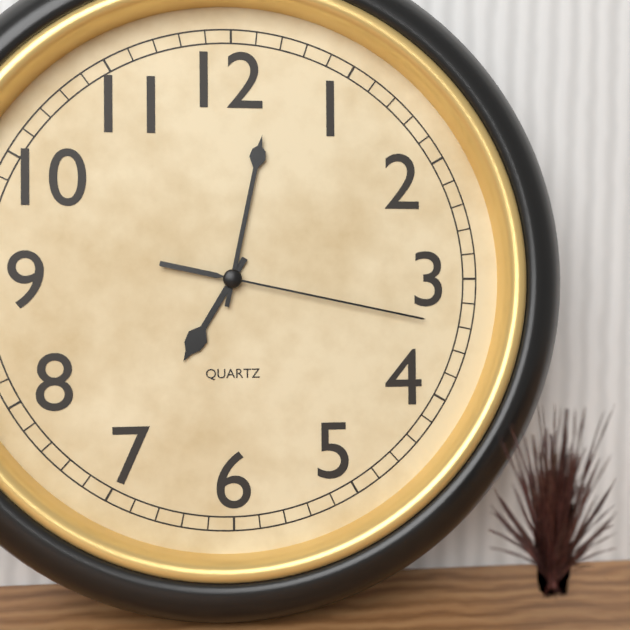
7:02:17
